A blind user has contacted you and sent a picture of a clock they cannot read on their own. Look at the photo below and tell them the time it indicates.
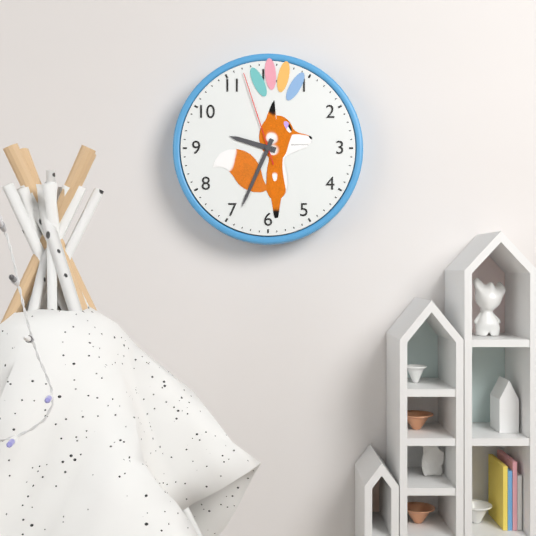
9:34:57
